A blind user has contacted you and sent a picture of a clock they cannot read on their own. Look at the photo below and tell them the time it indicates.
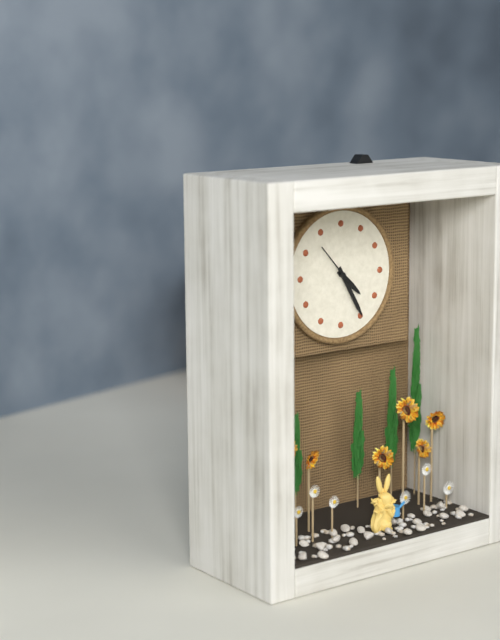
4:25
